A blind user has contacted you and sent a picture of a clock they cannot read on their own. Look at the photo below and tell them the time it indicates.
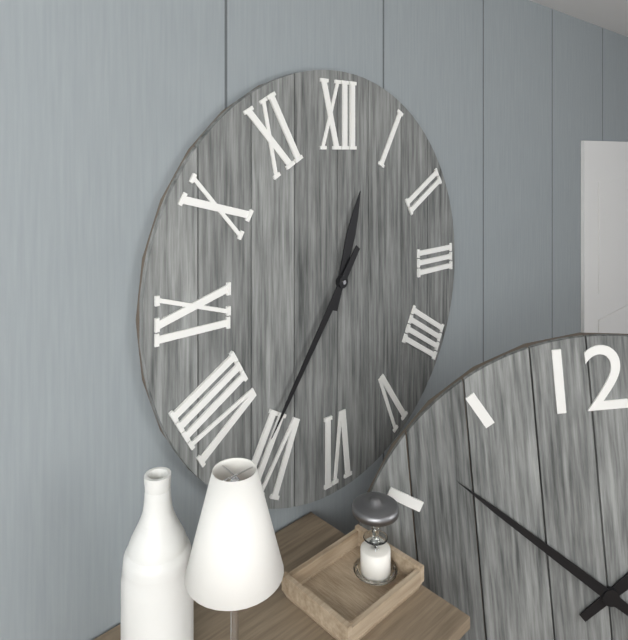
12:36
